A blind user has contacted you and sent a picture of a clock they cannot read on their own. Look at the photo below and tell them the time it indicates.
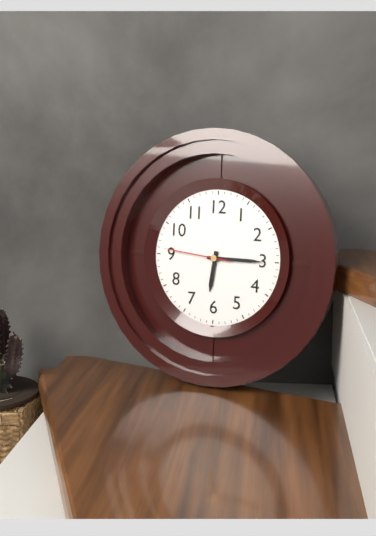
6:15:46
